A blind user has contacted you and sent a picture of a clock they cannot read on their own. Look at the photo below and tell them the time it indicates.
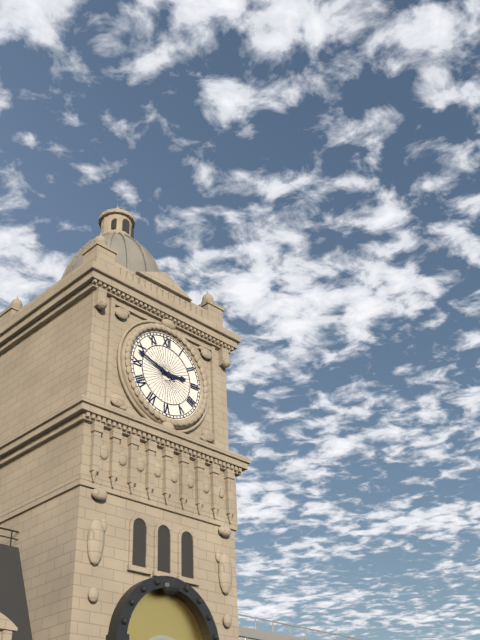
2:48
